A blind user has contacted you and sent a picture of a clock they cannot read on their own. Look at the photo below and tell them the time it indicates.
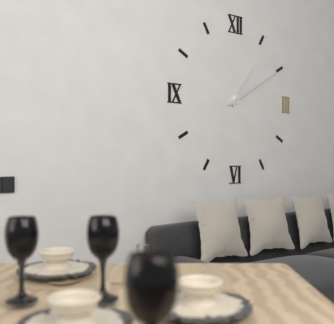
1:10
